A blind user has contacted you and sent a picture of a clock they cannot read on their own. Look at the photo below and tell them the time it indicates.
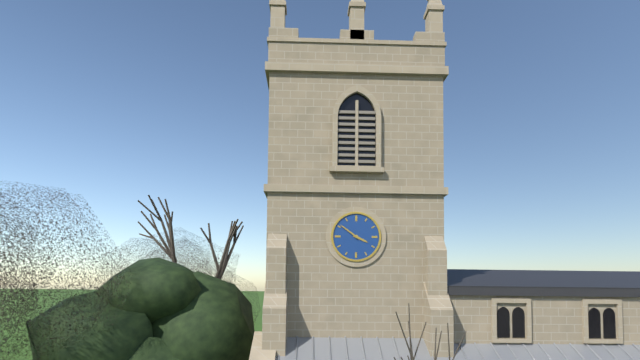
3:51
